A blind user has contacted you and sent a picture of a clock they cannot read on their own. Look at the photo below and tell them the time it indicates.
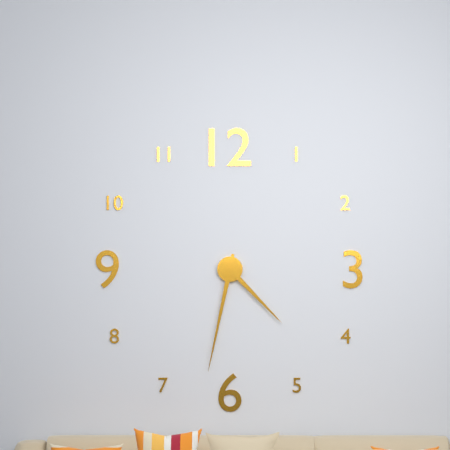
4:32
